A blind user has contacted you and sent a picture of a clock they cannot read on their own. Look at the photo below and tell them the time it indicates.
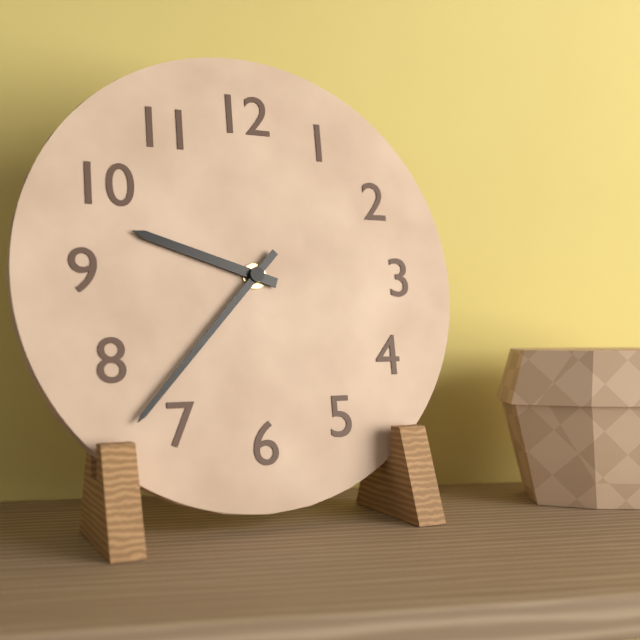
9:37
